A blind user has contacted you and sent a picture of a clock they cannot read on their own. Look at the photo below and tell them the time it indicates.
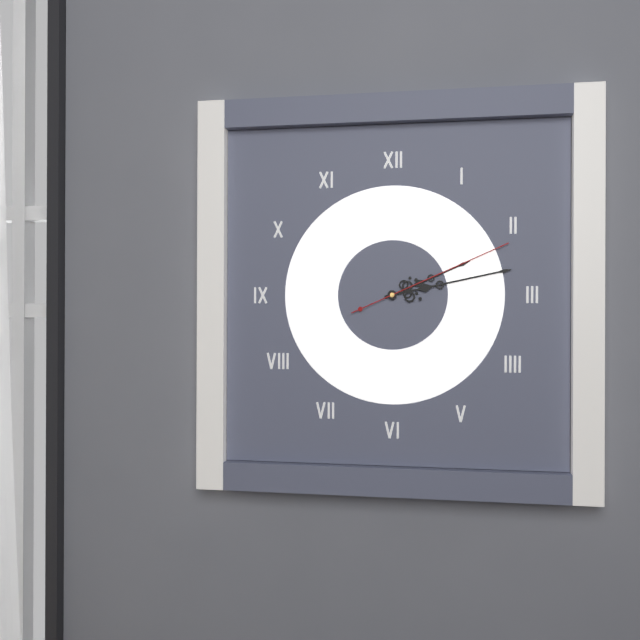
2:13:11
